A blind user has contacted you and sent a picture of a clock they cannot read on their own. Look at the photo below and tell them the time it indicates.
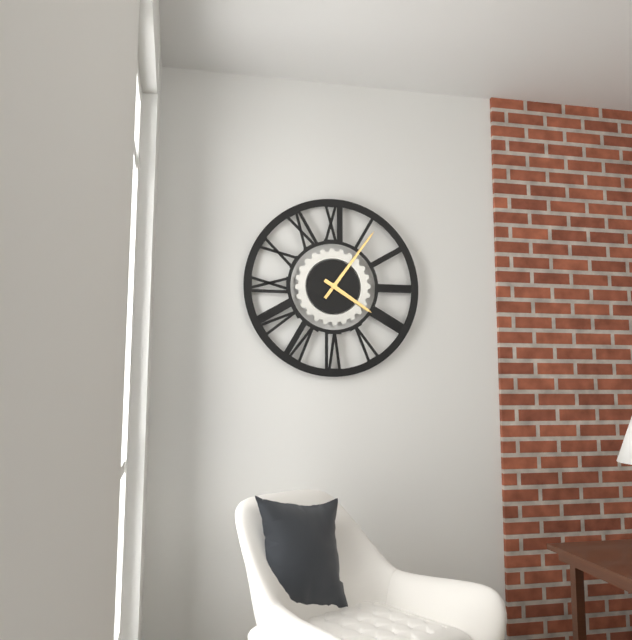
4:06
